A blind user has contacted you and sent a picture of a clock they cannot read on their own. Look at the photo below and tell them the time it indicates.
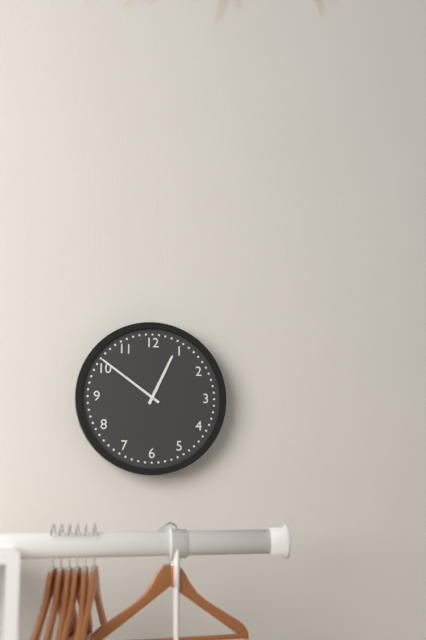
12:51
